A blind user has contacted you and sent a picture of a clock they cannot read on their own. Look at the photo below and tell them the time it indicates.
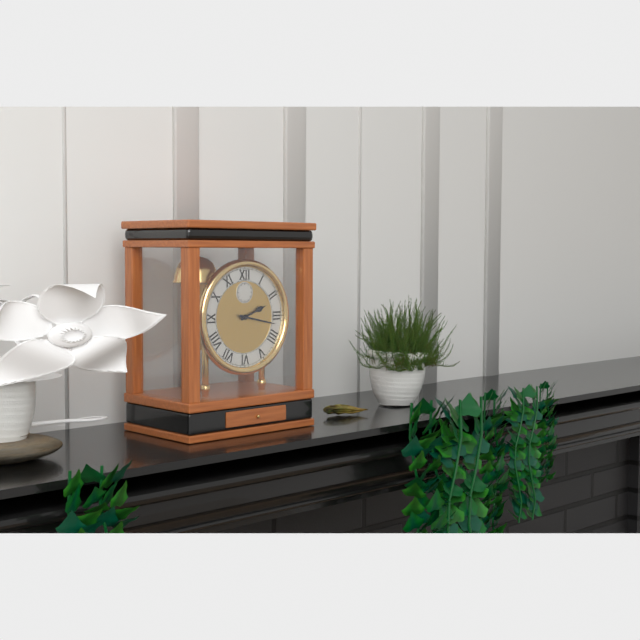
2:17
